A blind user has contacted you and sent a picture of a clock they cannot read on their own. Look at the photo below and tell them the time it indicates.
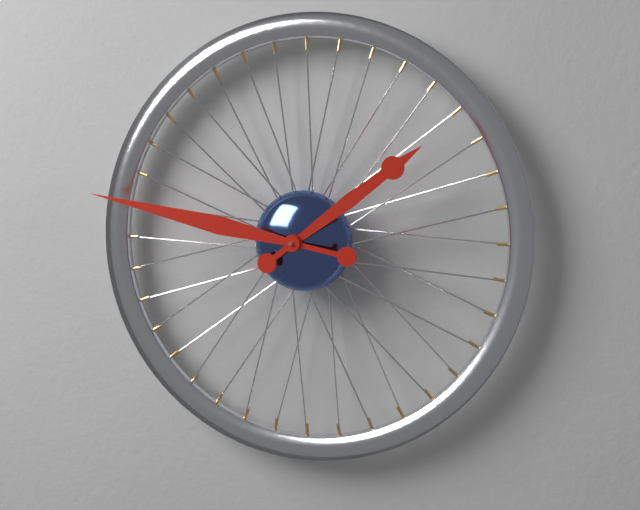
1:47
